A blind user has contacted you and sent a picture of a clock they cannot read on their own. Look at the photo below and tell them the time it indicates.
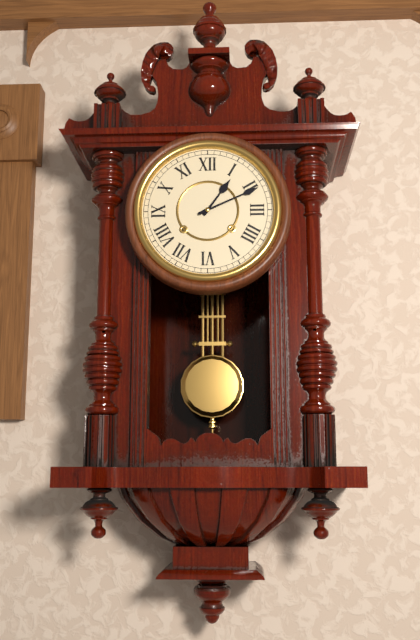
1:11
